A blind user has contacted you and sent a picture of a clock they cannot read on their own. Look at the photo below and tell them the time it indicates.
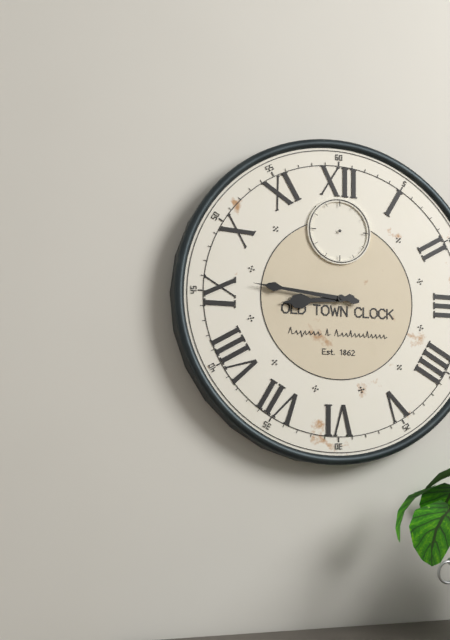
8:46
